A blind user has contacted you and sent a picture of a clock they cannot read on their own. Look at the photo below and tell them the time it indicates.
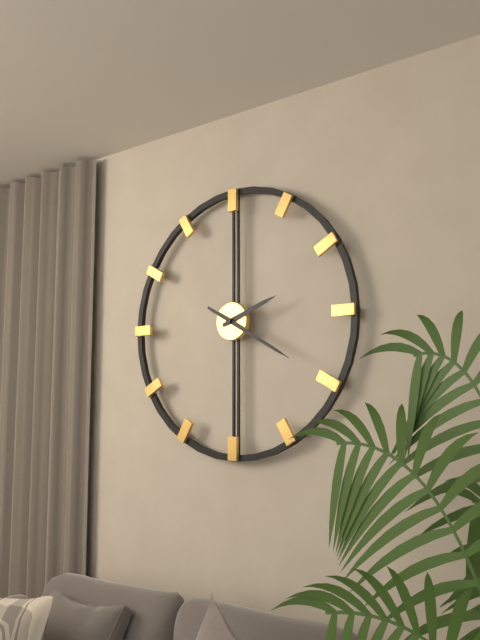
2:20
